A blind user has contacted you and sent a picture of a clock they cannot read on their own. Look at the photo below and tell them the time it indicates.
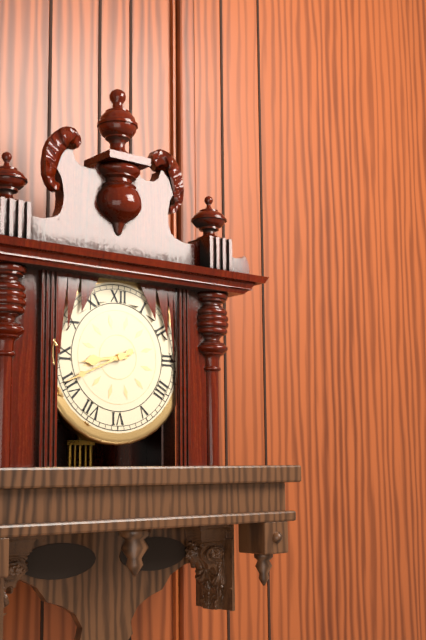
8:41
